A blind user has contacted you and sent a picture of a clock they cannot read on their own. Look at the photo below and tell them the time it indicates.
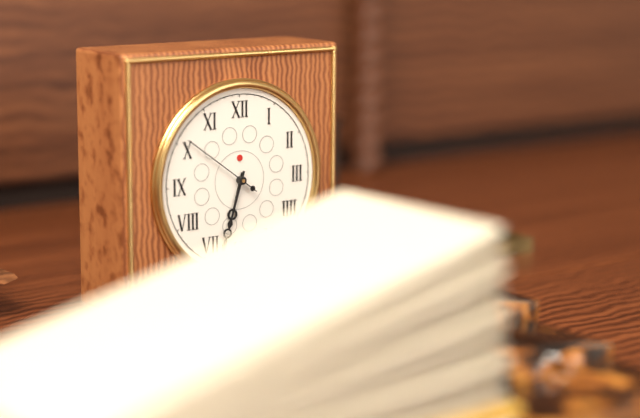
6:33:51
